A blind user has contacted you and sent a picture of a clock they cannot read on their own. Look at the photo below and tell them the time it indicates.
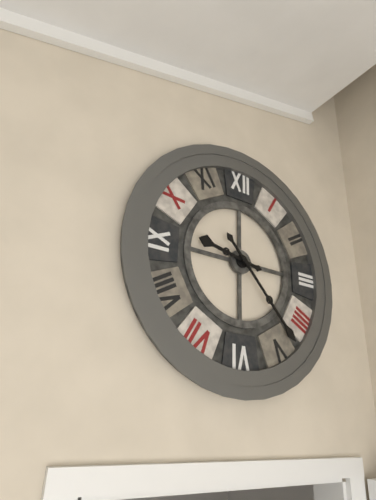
9:23
